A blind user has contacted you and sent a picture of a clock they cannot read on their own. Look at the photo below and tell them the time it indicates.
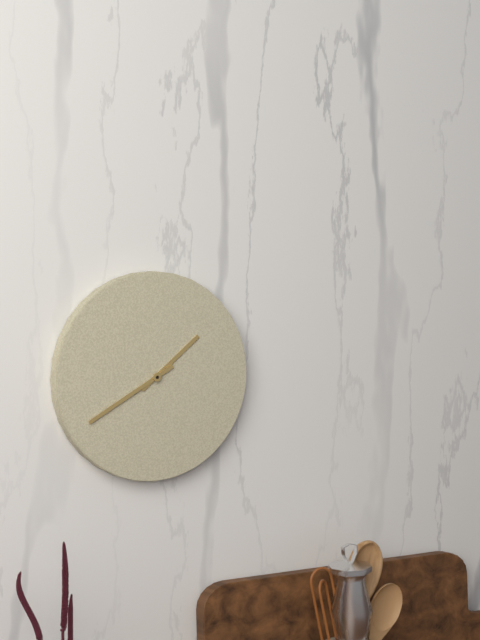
1:40
